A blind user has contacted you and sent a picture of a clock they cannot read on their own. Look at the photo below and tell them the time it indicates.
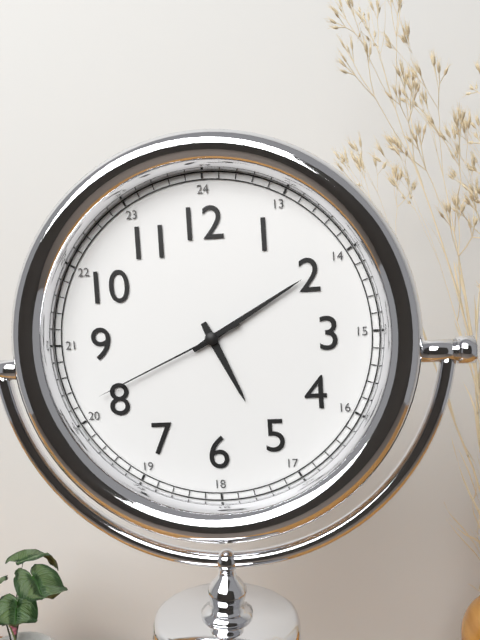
5:10:41
